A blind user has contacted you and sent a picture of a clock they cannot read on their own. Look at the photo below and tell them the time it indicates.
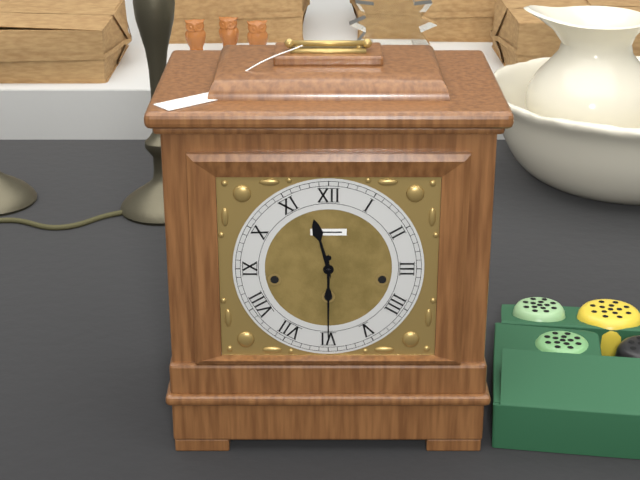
11:30
